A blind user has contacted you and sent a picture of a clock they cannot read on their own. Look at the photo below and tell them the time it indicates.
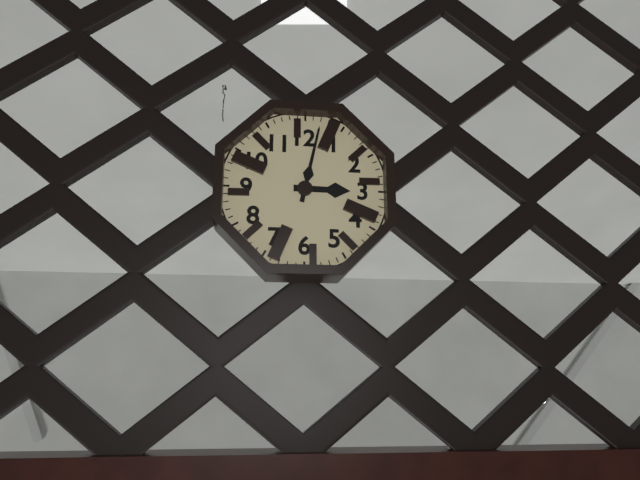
3:02
